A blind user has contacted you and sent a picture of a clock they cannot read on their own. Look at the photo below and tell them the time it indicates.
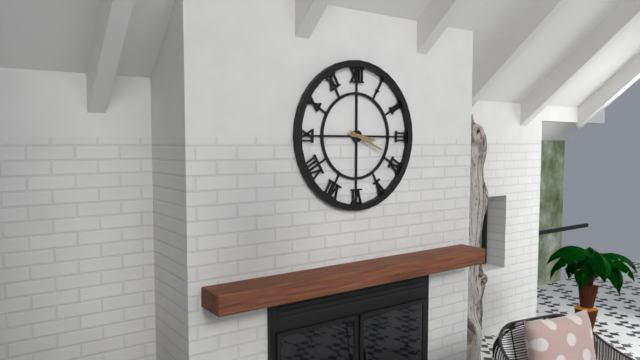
3:19
